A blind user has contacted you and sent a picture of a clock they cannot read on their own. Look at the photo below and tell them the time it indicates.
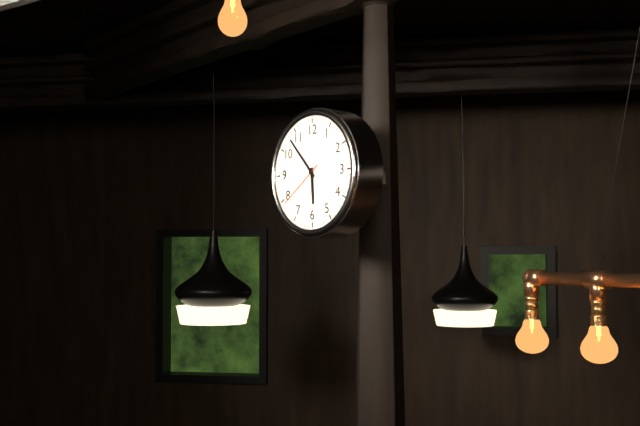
5:53:39
